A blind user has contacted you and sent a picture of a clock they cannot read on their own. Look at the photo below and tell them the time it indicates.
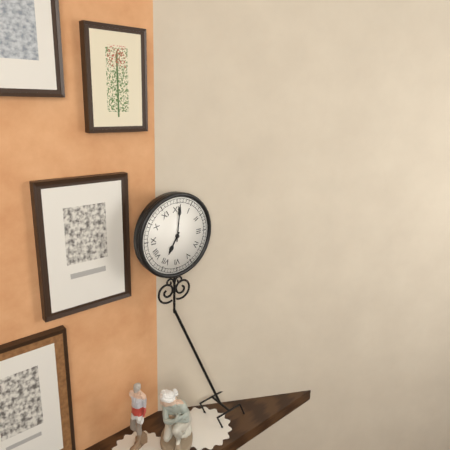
7:01
